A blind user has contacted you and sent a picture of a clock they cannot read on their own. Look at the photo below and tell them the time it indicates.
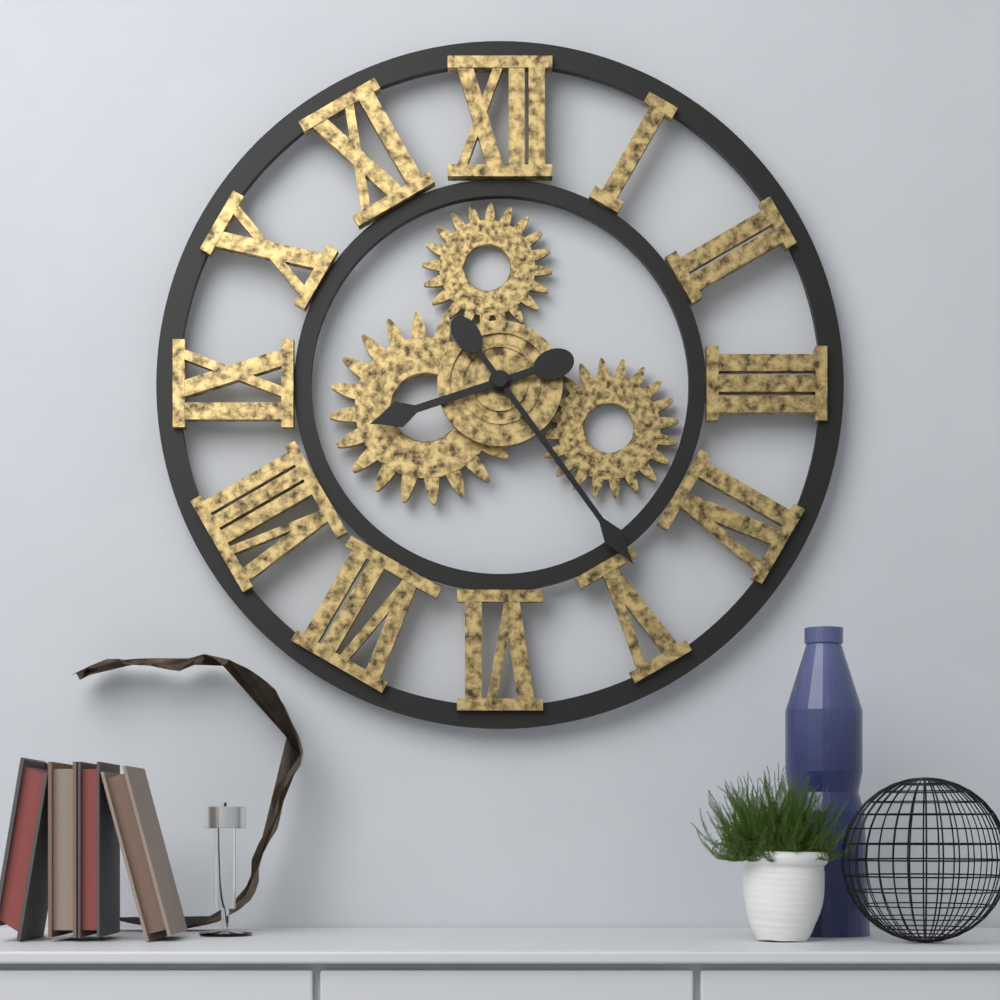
8:24
